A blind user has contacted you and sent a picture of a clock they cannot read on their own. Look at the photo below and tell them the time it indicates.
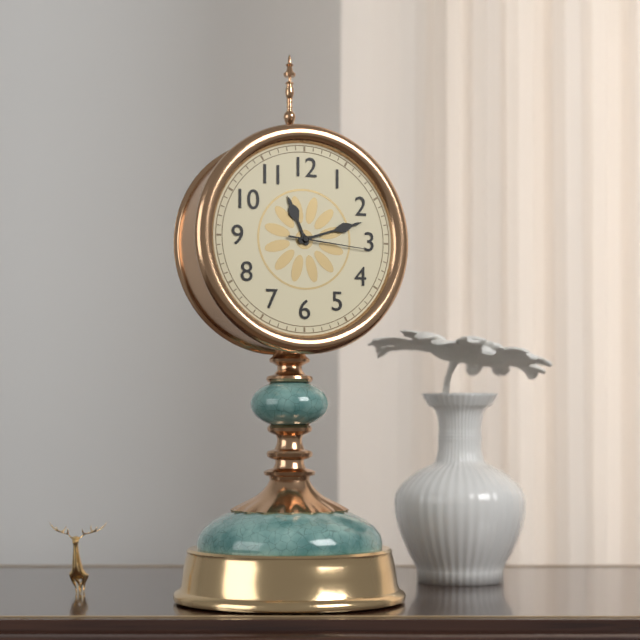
11:12:16
